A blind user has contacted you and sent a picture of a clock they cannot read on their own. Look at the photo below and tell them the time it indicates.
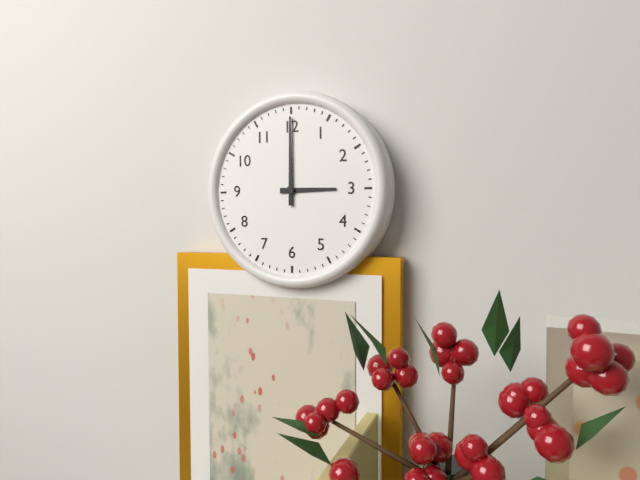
3:00
